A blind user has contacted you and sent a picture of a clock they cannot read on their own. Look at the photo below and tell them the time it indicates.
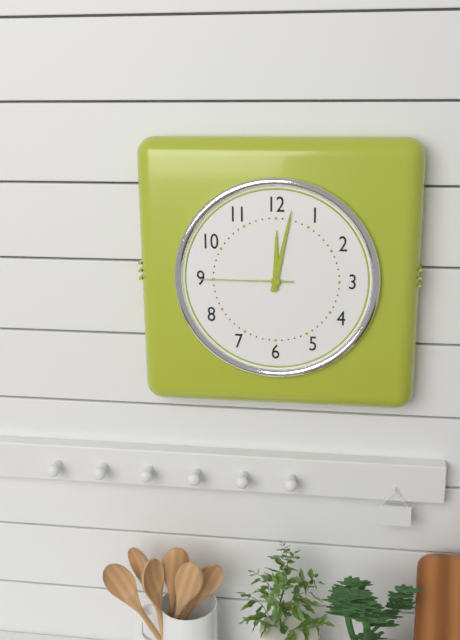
12:02:45
